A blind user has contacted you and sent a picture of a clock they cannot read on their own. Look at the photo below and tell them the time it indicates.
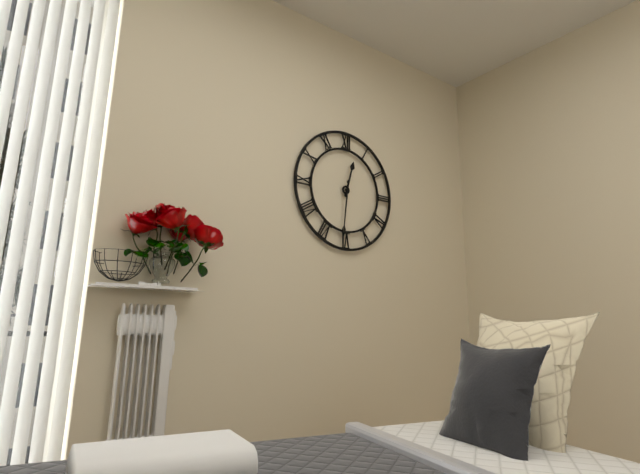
12:31
